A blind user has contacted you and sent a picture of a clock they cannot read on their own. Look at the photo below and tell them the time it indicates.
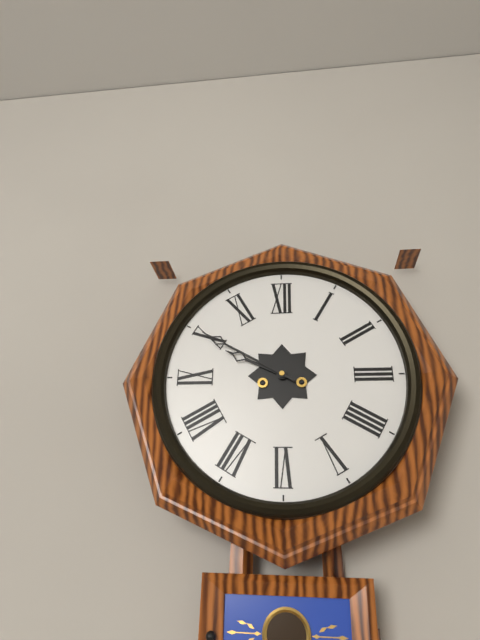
9:50
